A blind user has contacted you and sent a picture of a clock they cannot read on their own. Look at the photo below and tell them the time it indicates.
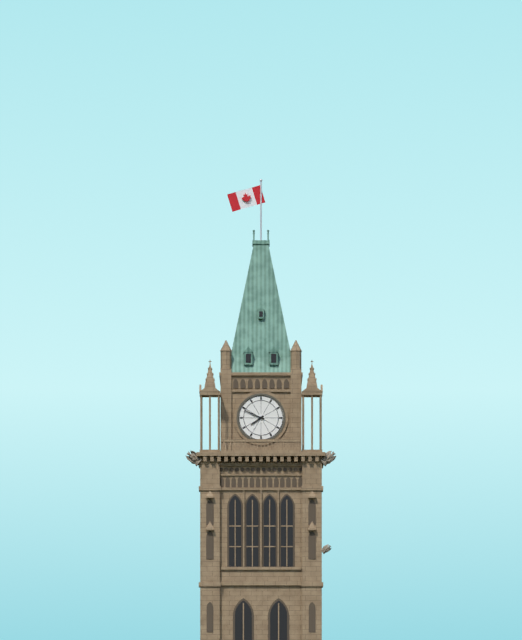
7:49
